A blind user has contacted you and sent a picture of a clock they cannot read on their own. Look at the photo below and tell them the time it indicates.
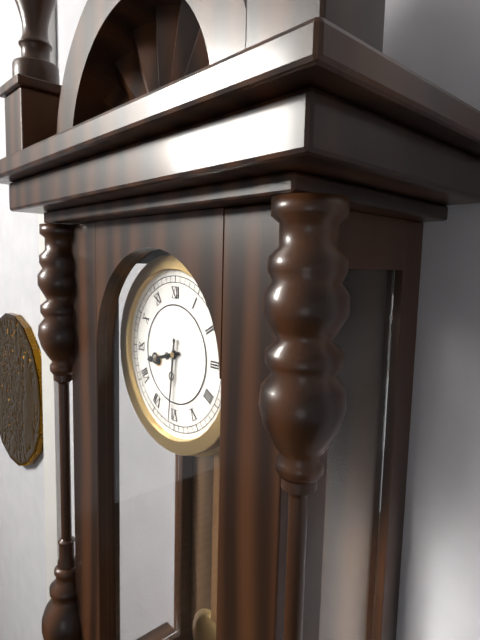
8:31
